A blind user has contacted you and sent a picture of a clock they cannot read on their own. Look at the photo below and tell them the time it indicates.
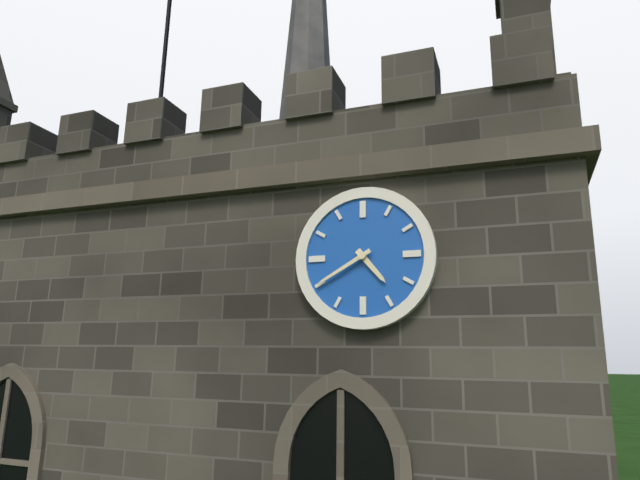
4:40
